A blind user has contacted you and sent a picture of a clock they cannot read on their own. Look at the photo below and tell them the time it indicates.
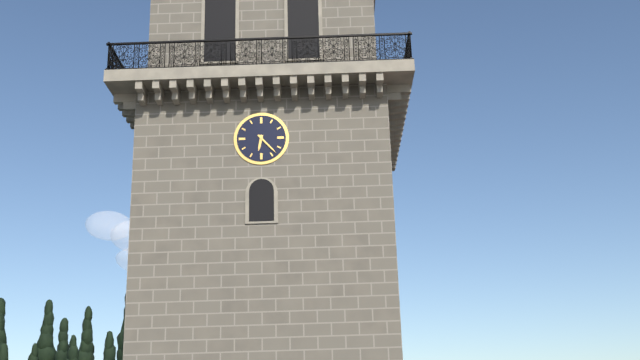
6:23
